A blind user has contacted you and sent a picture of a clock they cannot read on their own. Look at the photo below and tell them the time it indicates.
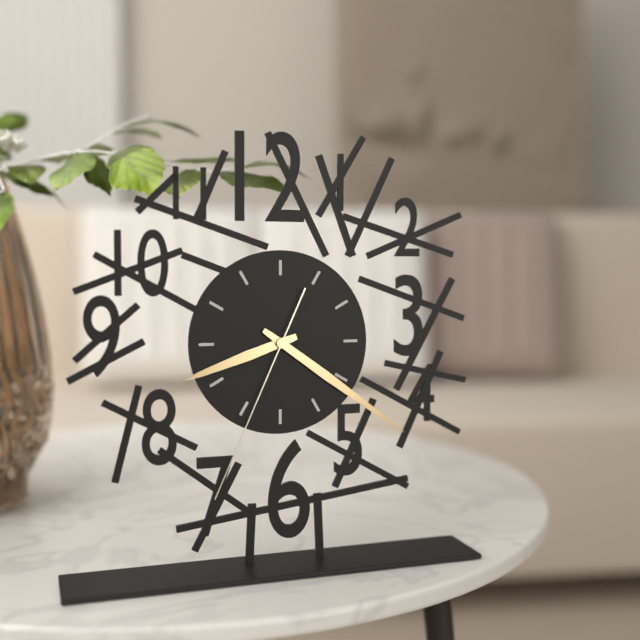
8:21:34
